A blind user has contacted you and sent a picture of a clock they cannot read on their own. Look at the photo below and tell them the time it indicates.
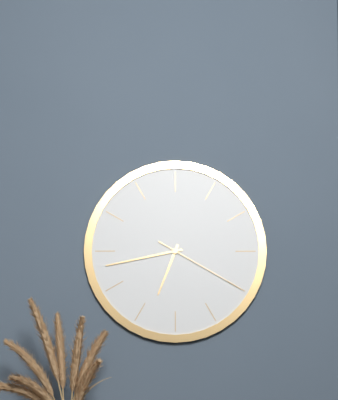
6:43:20
